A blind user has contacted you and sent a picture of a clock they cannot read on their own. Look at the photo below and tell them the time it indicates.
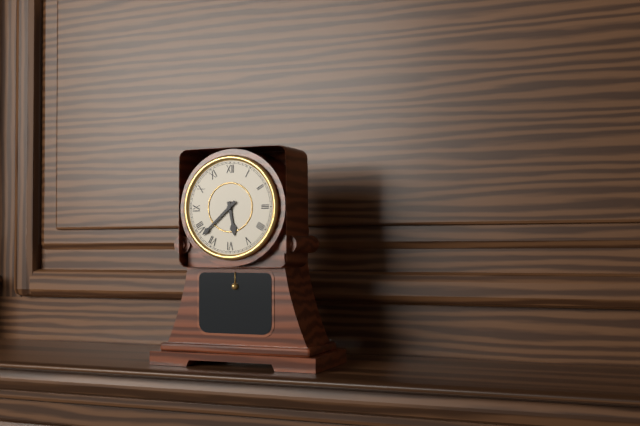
5:38
